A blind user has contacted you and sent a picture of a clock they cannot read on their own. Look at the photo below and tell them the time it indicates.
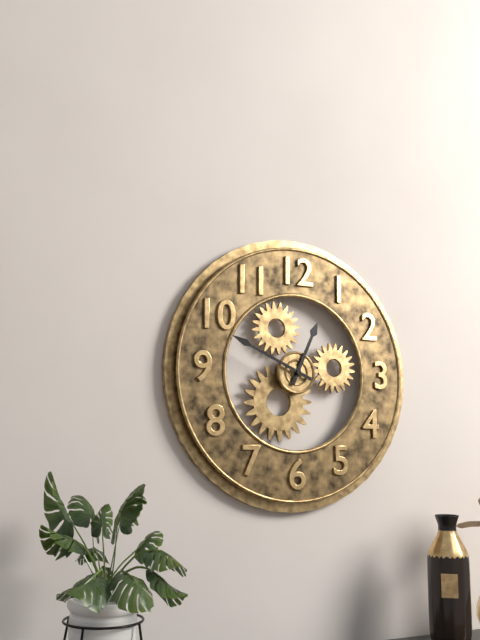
12:49
